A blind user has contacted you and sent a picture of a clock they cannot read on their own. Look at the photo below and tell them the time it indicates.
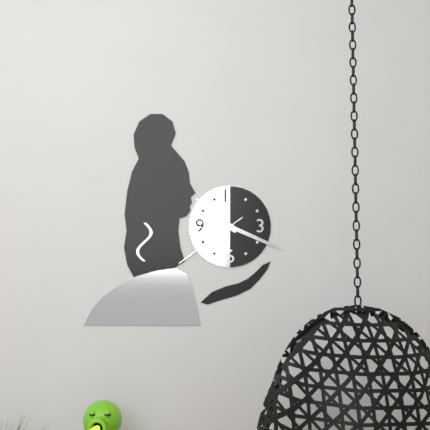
10:19:39
